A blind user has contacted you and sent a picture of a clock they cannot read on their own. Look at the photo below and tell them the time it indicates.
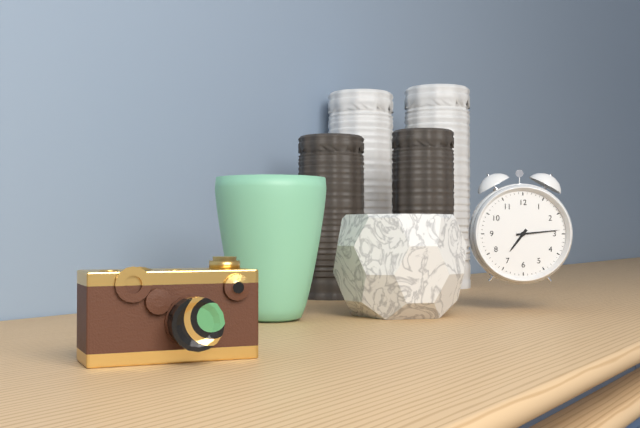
7:14
